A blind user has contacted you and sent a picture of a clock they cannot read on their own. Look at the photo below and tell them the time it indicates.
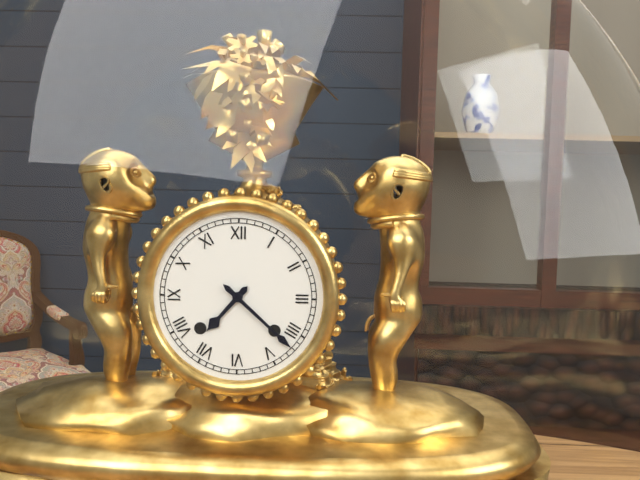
7:22
